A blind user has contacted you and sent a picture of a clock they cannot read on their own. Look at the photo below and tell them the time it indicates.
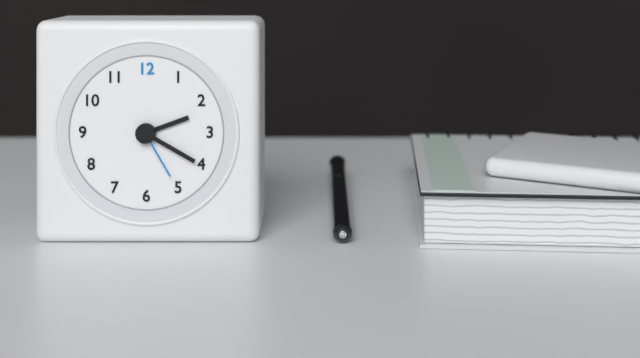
2:20:25
